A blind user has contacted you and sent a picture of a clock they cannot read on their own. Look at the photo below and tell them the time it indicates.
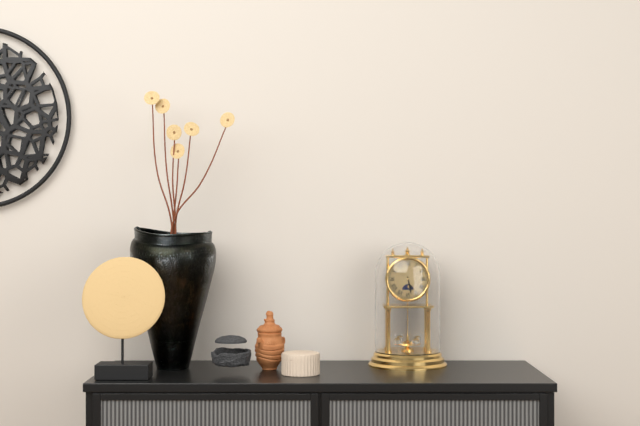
5:28
